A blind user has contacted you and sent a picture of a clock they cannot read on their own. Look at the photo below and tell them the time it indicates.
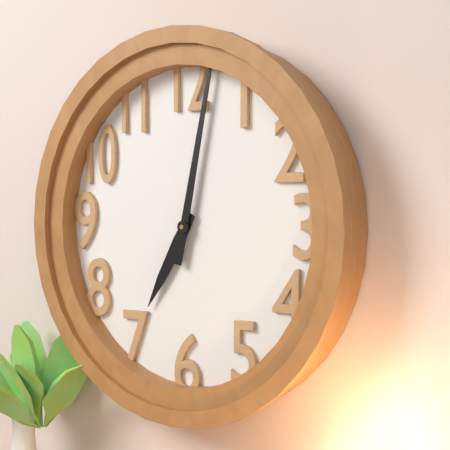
7:02
